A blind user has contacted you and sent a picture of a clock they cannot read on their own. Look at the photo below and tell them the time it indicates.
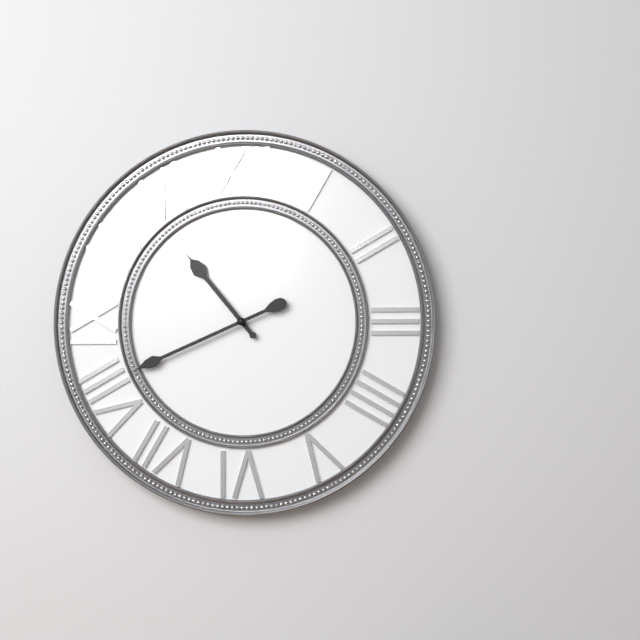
10:41
